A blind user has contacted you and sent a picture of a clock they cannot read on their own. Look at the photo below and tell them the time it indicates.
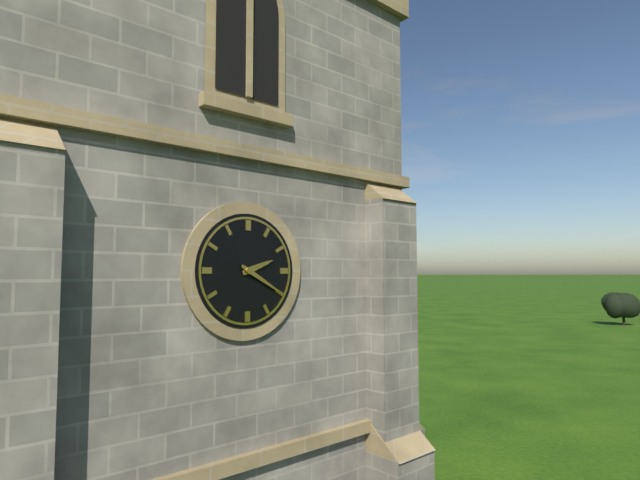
2:20
